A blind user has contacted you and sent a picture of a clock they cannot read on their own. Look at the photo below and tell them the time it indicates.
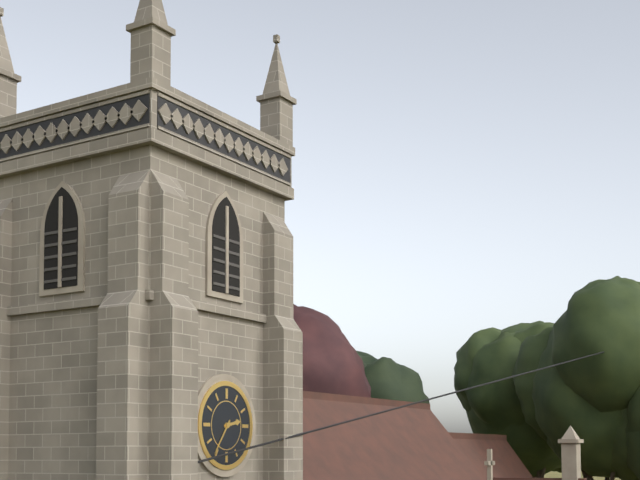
2:36
